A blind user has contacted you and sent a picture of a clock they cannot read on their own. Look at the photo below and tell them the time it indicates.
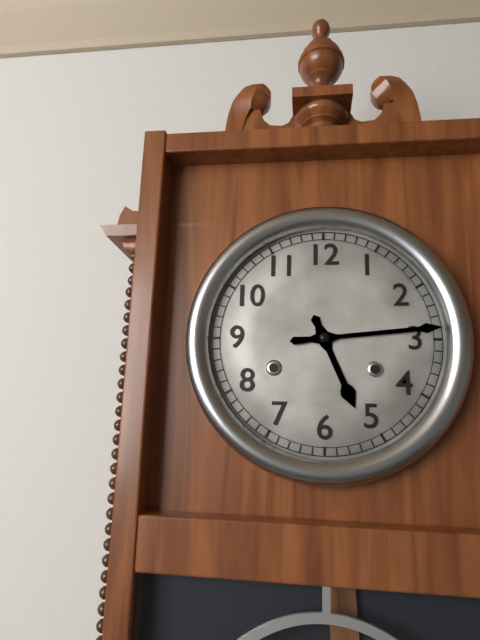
5:14
